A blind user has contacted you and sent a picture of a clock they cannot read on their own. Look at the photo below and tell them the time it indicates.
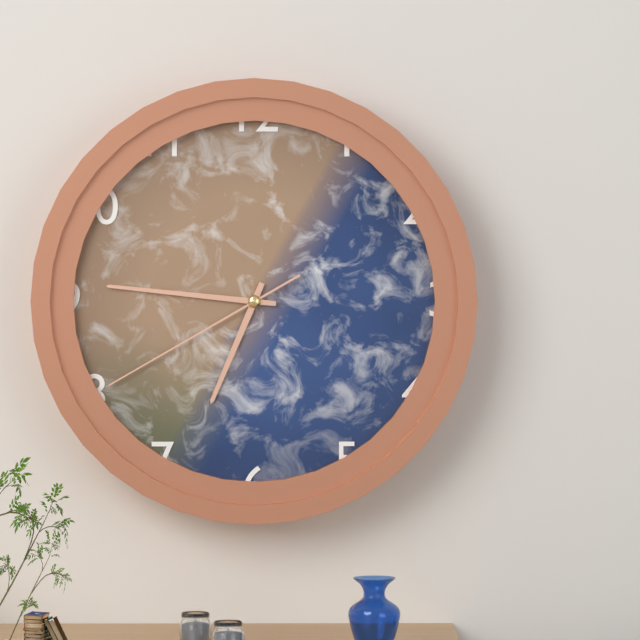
6:46:40
